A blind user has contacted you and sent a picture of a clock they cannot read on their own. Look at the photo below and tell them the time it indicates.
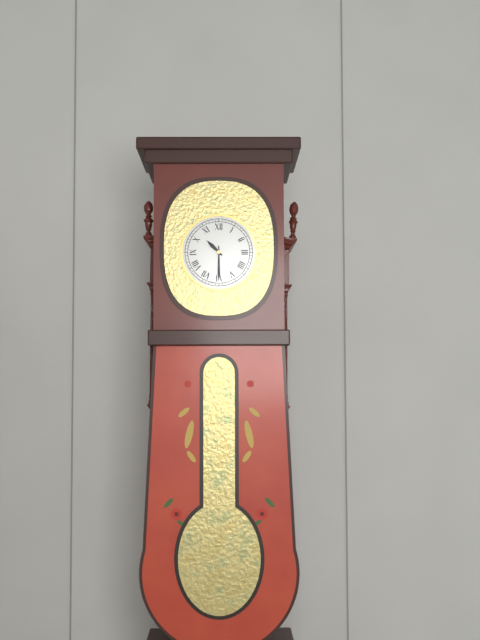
10:30
